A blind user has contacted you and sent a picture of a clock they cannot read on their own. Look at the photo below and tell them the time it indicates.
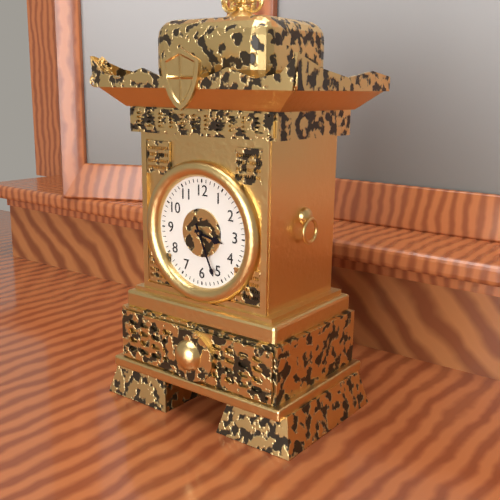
3:26
